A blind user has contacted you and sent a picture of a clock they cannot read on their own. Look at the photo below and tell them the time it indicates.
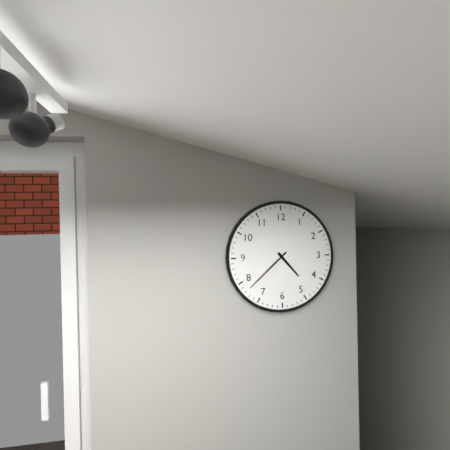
4:38
